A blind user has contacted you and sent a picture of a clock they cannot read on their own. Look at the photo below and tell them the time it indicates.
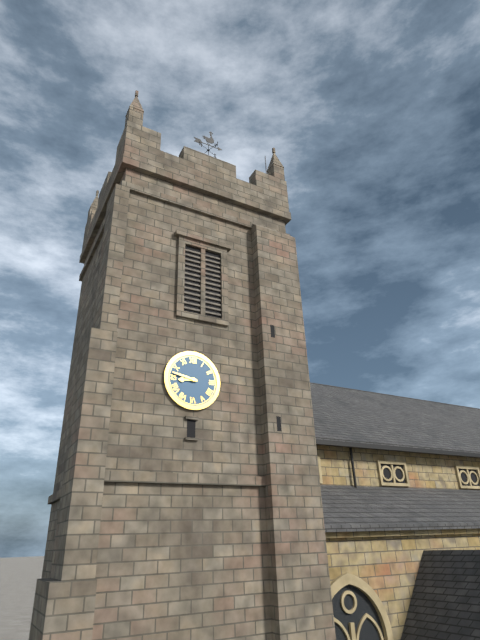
8:47
